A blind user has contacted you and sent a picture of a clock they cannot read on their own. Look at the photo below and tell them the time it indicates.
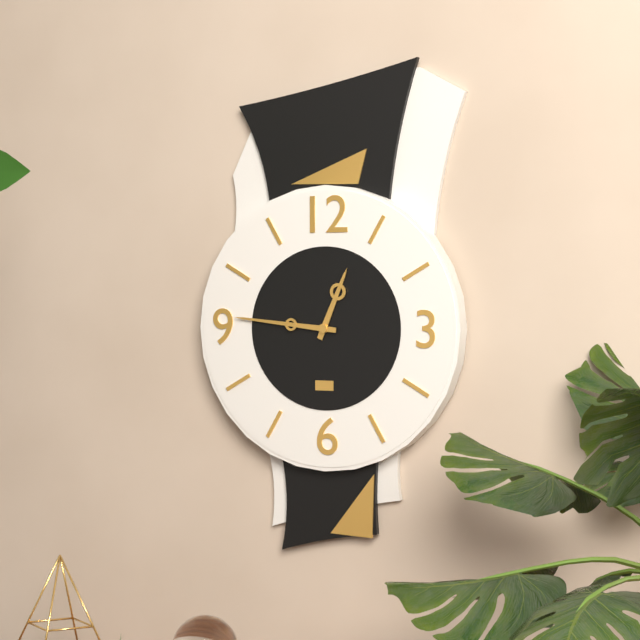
12:46
